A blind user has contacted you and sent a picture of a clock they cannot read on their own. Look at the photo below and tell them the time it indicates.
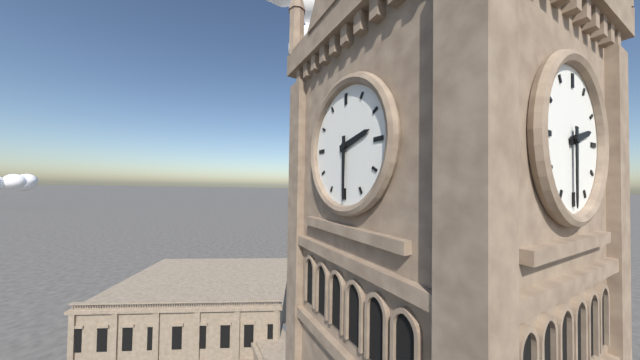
2:30
